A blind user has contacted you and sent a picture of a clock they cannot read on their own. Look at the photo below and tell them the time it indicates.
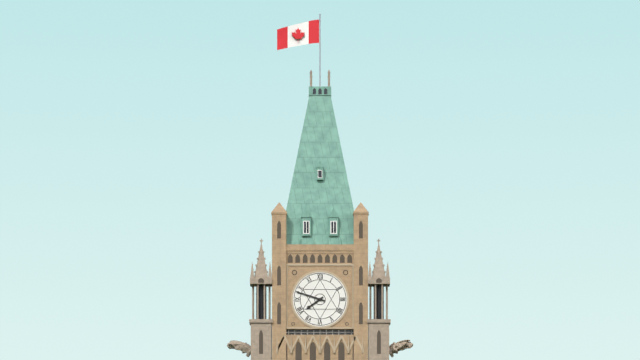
7:48
